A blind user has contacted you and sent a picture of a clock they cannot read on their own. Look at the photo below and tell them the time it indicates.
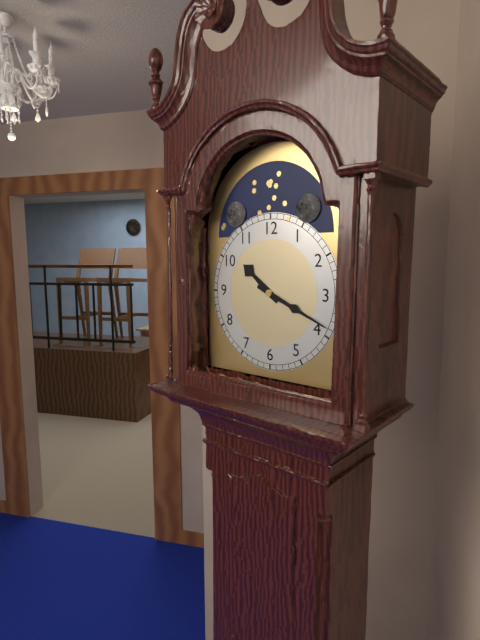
10:19
